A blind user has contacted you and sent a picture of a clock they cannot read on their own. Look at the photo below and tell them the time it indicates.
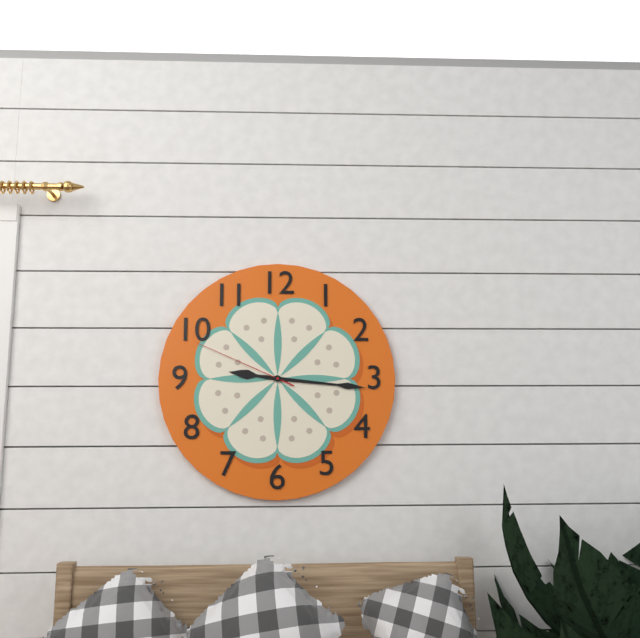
9:16:49
